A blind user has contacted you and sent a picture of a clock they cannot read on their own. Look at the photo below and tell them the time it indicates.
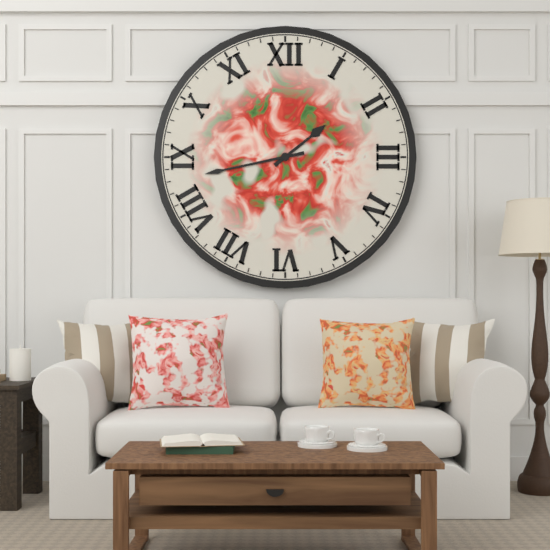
1:43
